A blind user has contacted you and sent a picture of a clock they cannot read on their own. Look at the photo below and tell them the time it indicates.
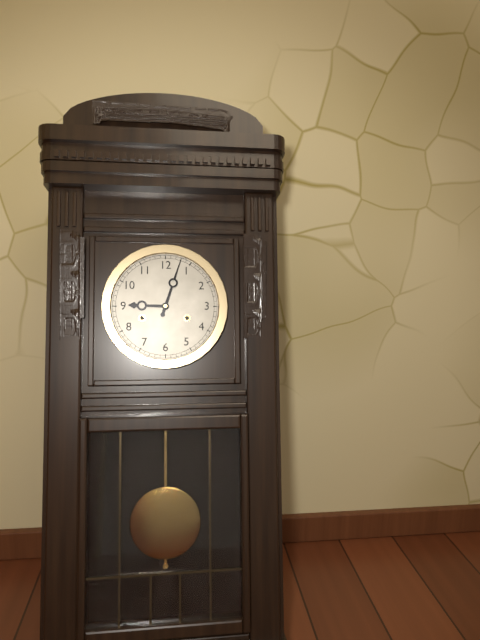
9:03
